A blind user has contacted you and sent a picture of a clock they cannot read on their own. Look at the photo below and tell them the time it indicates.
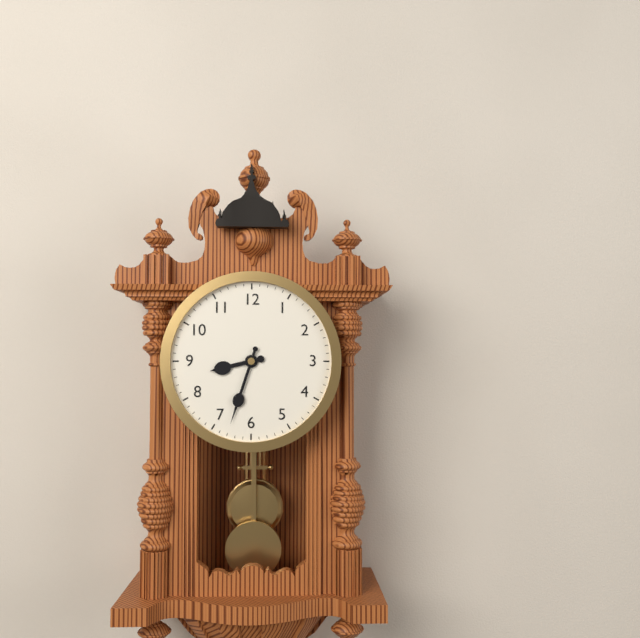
8:33
